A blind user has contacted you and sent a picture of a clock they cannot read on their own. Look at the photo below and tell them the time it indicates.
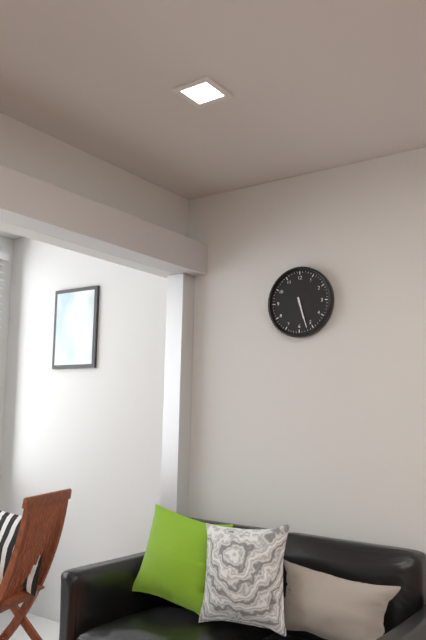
5:27
